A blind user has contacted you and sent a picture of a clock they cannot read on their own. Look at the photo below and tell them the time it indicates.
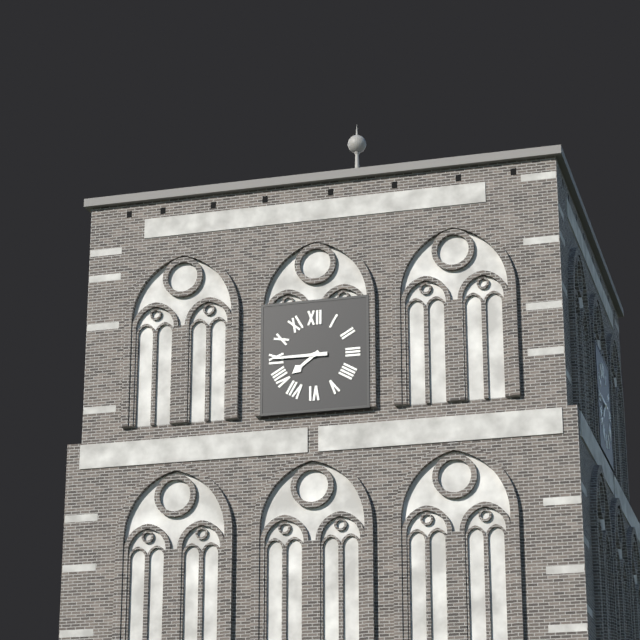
7:45
